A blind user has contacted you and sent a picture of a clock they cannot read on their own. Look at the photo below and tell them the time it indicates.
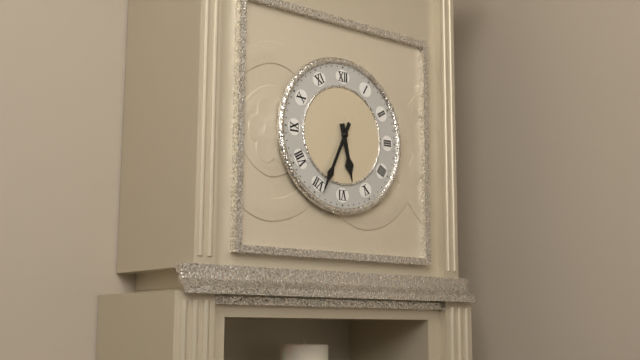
5:34
